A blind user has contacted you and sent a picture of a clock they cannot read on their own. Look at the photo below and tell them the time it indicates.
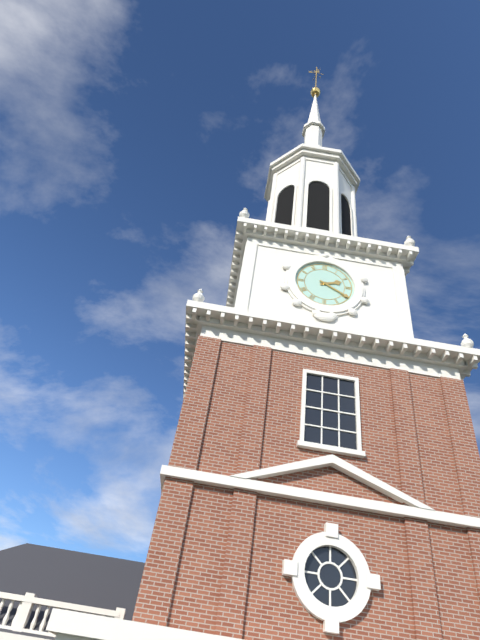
2:20
